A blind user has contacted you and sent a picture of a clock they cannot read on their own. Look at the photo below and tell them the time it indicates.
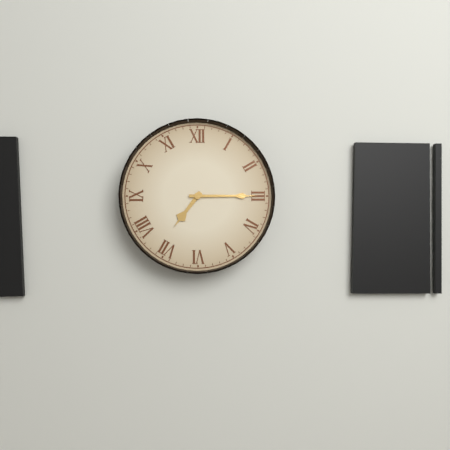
7:15
